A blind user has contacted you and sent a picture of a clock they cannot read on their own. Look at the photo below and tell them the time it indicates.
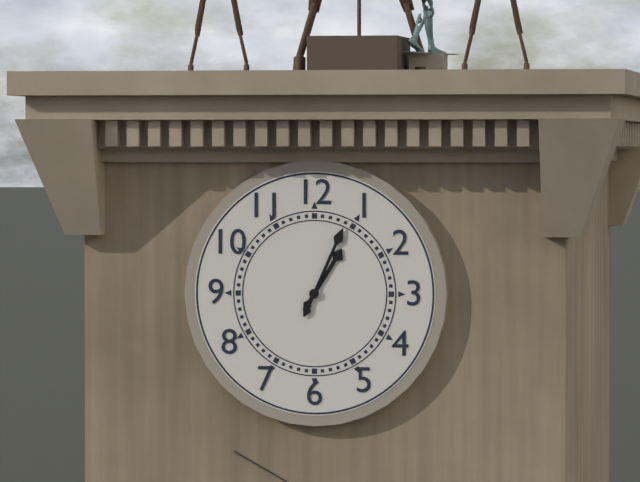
1:04
